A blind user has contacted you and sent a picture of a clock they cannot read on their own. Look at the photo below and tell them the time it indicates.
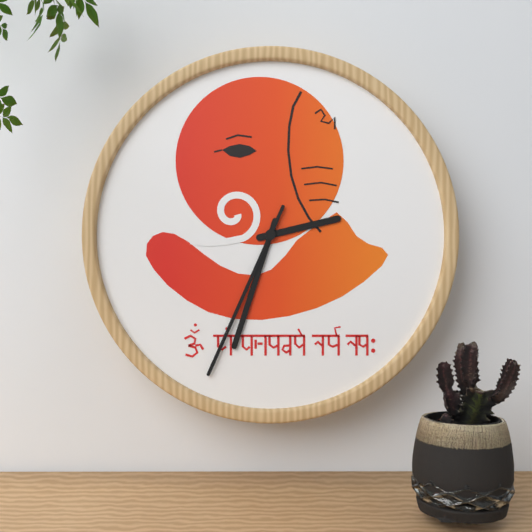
2:33:34
